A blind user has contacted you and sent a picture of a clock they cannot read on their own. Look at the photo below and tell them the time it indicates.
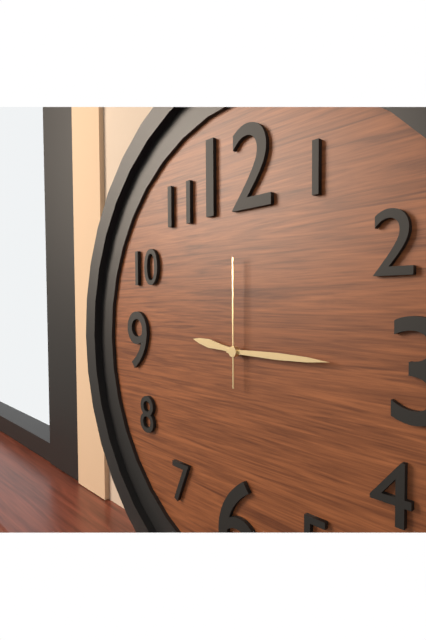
9:15:00
